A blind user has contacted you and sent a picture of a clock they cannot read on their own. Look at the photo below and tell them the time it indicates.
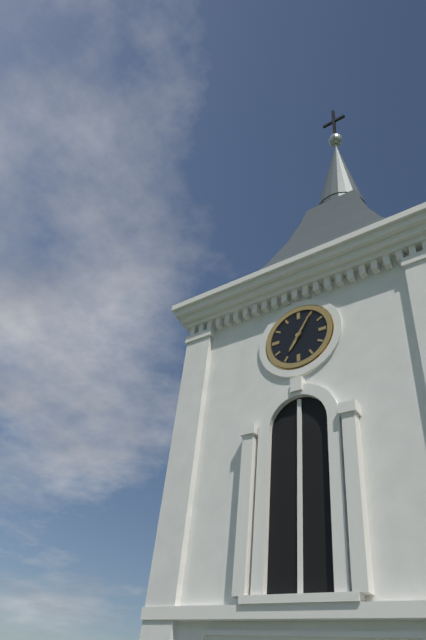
7:05
